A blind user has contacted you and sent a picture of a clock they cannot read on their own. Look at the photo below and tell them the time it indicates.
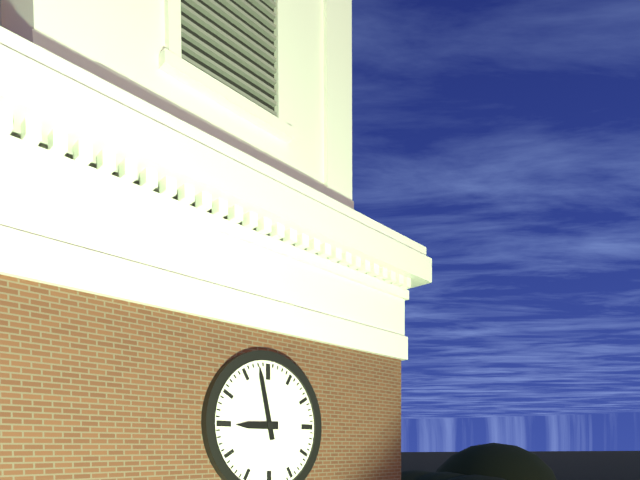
8:58
